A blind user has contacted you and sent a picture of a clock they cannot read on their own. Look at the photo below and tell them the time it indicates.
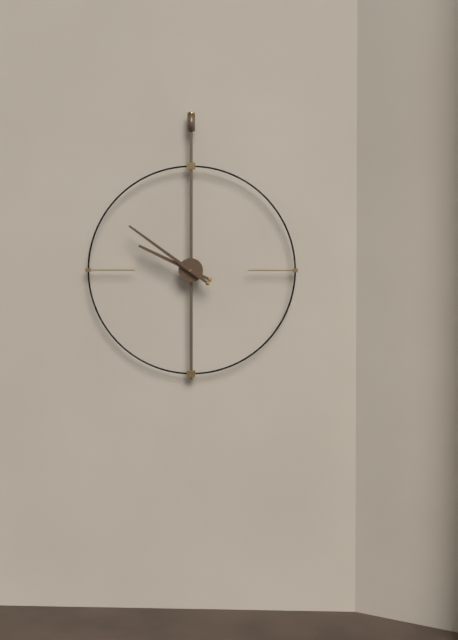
9:51
